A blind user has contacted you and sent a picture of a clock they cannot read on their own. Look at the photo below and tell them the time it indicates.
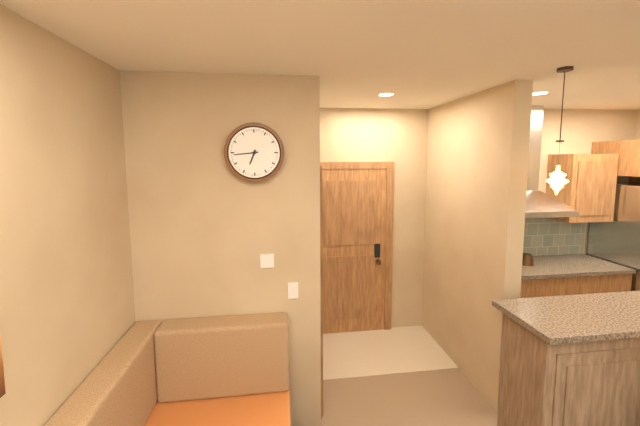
6:44
